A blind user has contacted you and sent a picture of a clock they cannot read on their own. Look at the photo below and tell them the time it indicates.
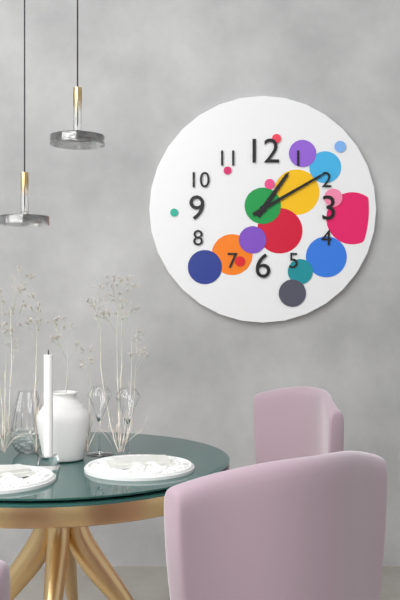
1:10
